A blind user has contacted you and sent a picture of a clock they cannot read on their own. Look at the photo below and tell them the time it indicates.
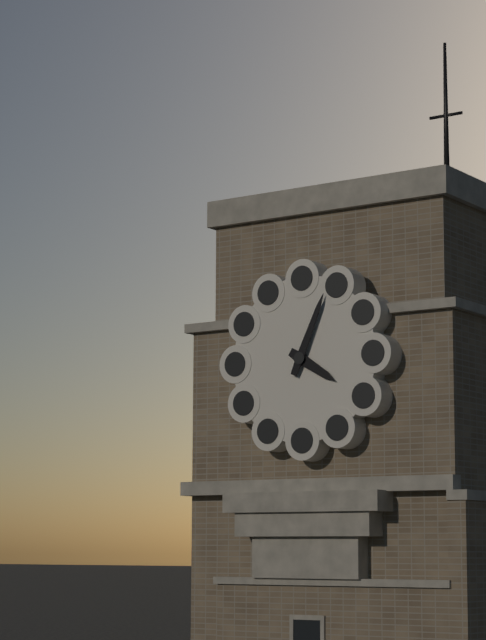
4:04
